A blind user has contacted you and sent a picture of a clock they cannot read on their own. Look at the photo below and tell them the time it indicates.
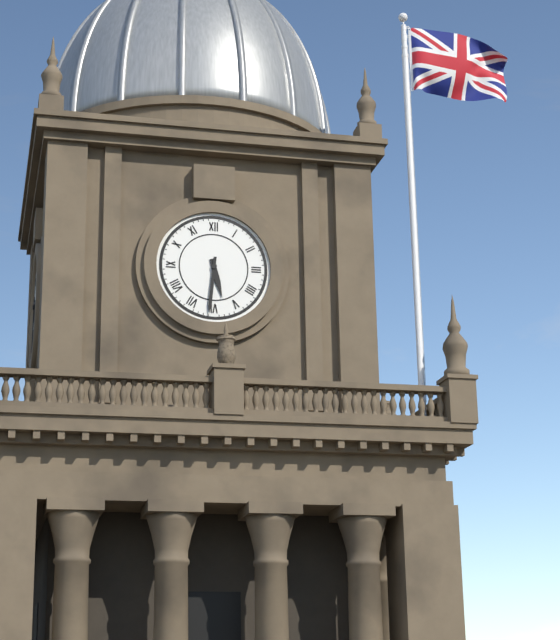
5:31
